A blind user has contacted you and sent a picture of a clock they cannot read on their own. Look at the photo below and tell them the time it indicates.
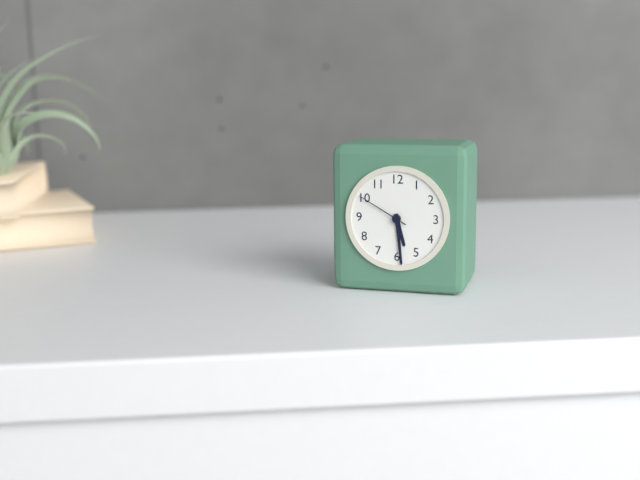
5:29:50
